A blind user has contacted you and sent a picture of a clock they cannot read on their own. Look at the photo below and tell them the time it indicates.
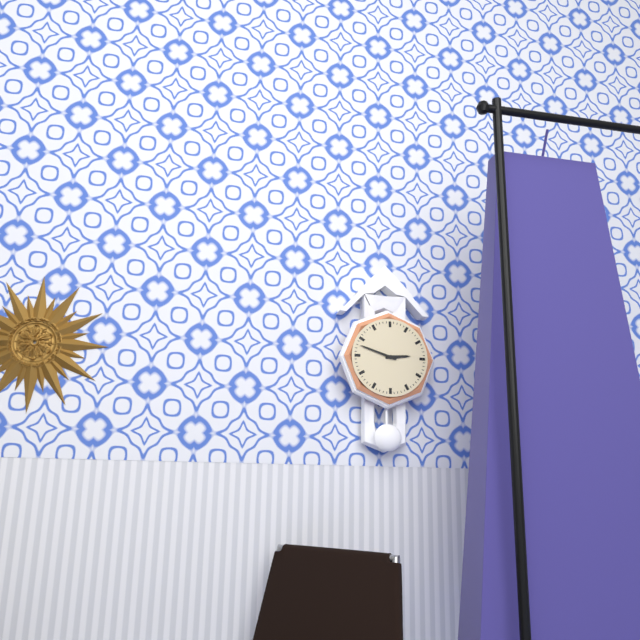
2:48
